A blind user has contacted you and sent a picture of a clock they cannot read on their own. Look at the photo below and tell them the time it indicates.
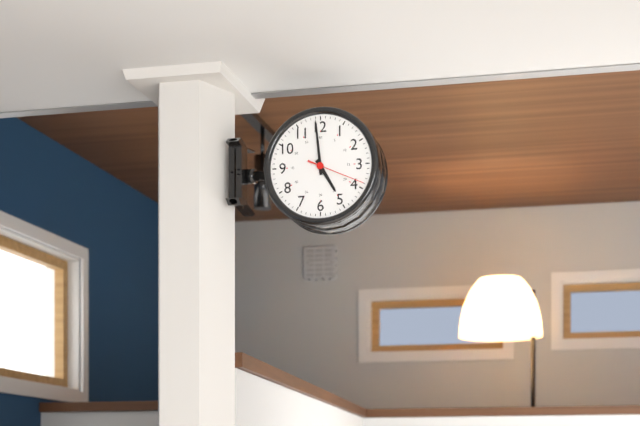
4:59
